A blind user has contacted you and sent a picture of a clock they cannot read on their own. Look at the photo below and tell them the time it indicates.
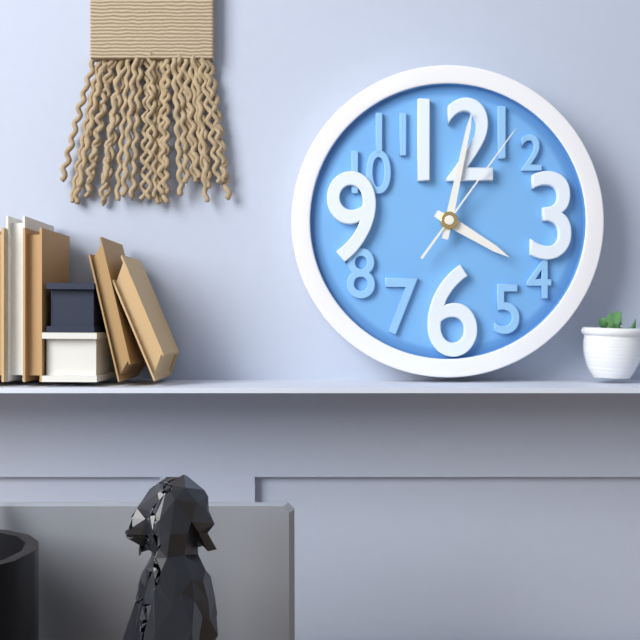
4:02:06
